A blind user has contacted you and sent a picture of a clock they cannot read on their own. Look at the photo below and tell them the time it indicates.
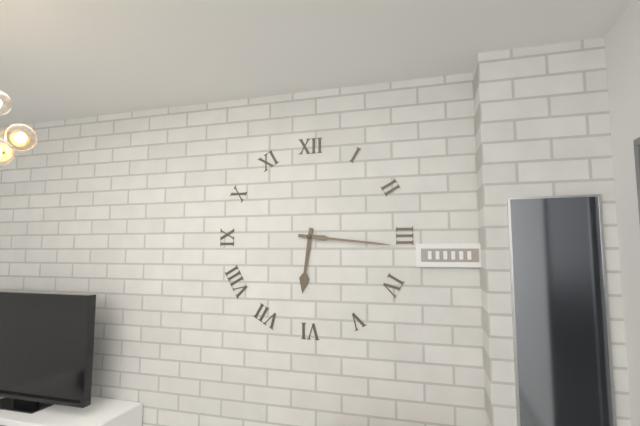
6:16
